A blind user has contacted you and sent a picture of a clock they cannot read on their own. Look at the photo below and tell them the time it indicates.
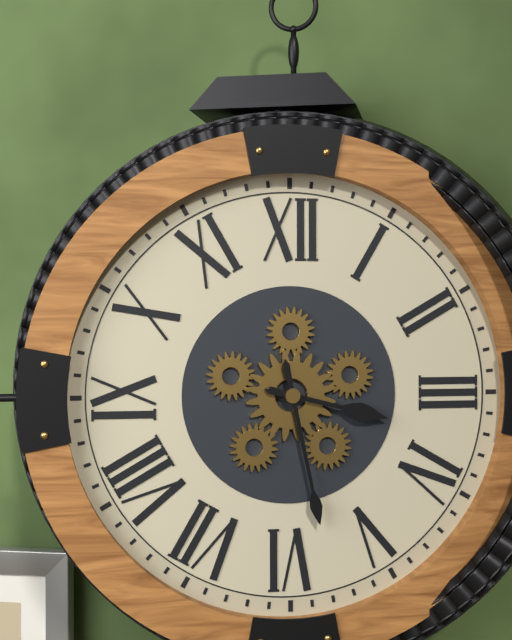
3:28
